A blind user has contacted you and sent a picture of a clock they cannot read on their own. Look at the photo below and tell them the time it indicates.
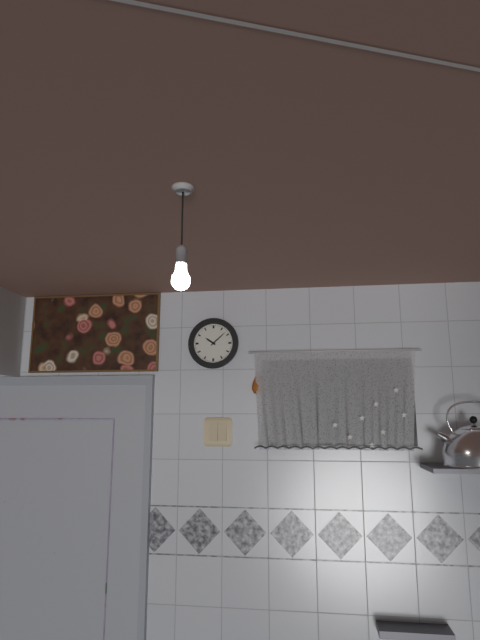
10:08
